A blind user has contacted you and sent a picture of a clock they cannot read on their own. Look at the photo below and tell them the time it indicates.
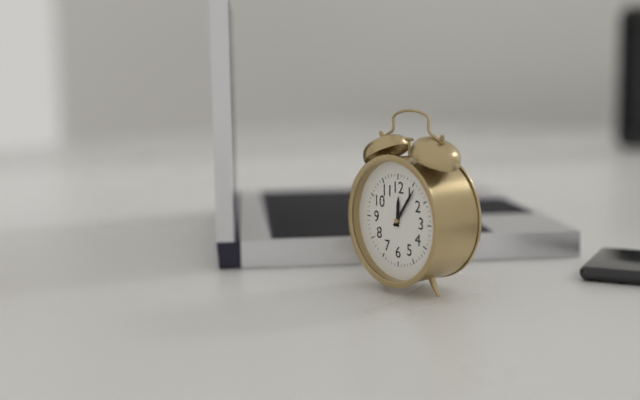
12:06
